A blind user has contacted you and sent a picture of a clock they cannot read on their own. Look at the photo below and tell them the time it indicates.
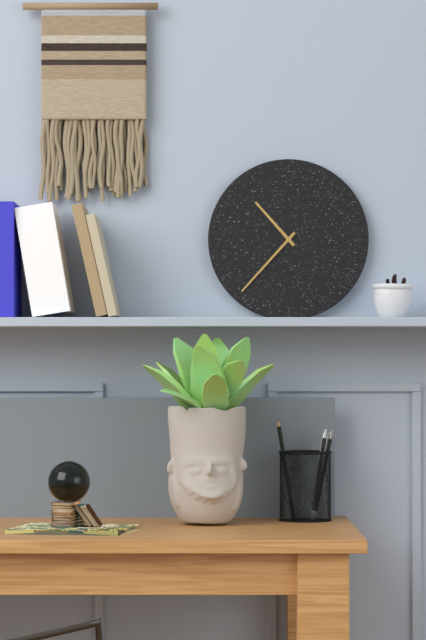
10:37
